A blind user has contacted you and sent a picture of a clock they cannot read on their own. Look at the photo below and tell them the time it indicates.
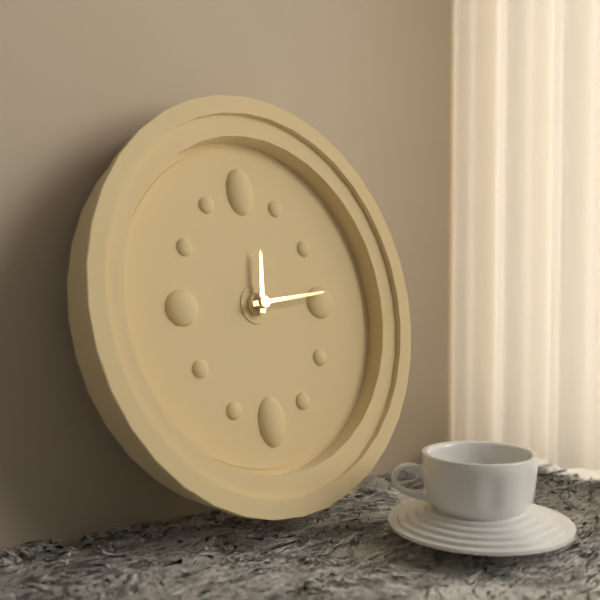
12:14
